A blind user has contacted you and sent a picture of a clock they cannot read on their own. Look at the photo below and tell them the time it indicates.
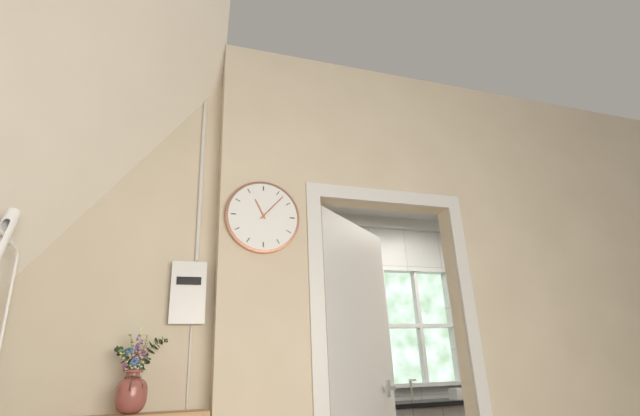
11:07
